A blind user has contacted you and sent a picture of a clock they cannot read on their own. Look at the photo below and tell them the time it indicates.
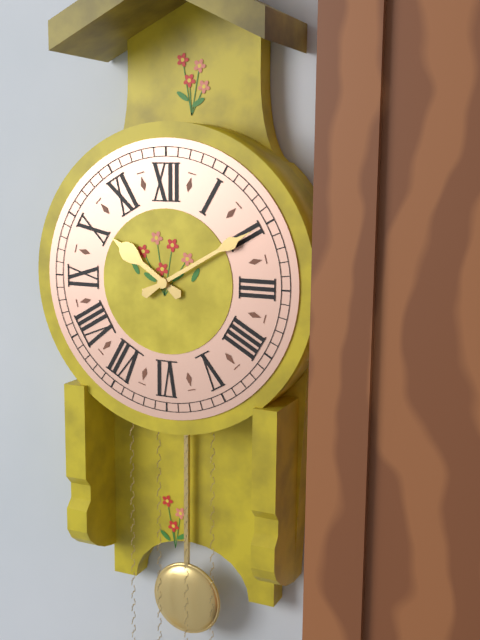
10:10
